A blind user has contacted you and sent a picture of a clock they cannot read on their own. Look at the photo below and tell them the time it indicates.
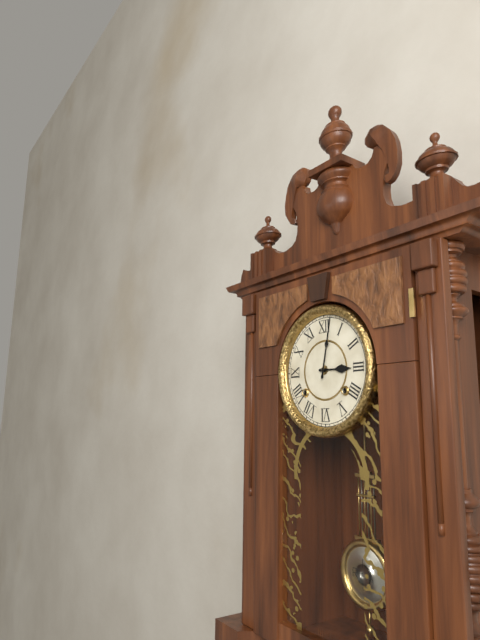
3:02
